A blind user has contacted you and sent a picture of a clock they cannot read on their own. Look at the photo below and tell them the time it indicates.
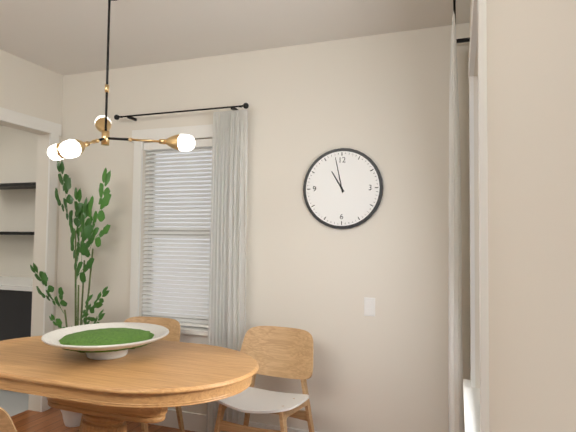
10:58
